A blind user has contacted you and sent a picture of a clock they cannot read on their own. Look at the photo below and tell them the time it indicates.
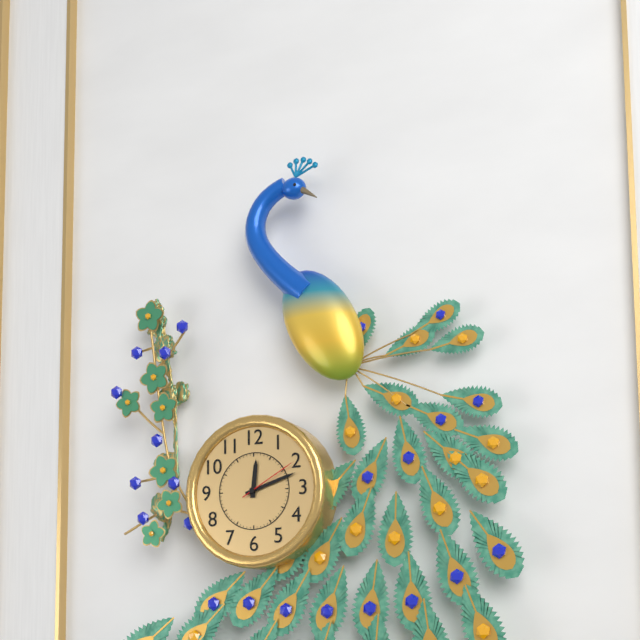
12:12:10
